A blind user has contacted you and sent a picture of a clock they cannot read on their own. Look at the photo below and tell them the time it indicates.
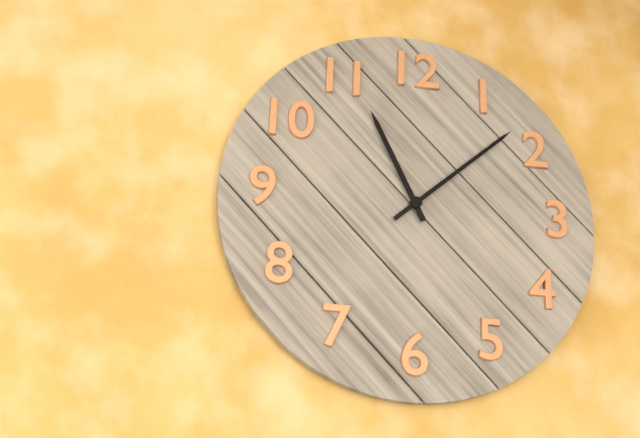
11:08
